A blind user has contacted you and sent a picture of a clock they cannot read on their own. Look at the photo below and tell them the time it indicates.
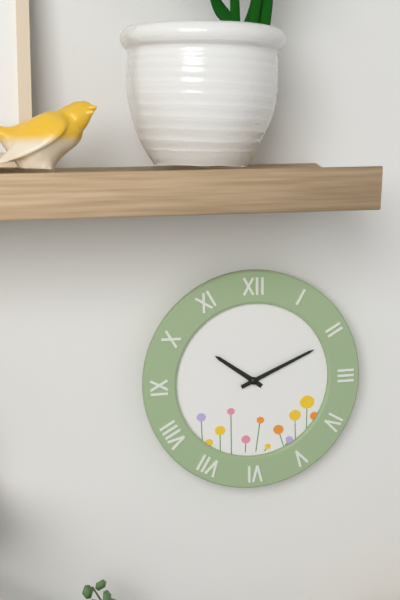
10:11
